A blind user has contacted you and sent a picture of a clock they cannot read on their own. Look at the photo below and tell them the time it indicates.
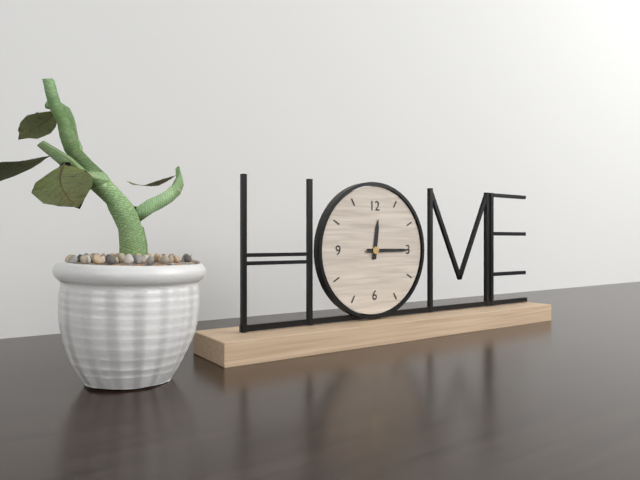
12:15
